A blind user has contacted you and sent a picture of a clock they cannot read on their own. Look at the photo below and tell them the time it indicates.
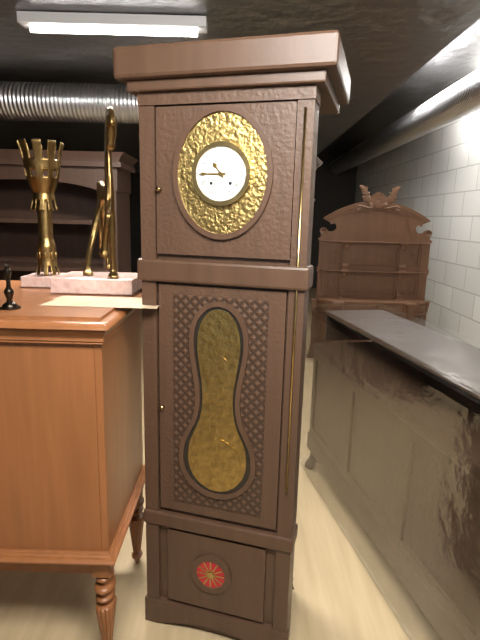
10:45
